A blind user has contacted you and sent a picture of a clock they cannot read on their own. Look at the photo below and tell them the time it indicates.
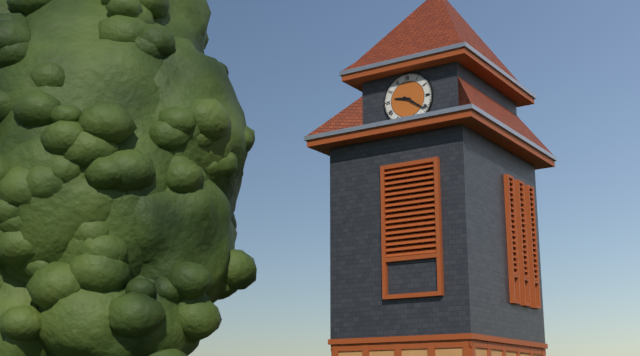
9:21
